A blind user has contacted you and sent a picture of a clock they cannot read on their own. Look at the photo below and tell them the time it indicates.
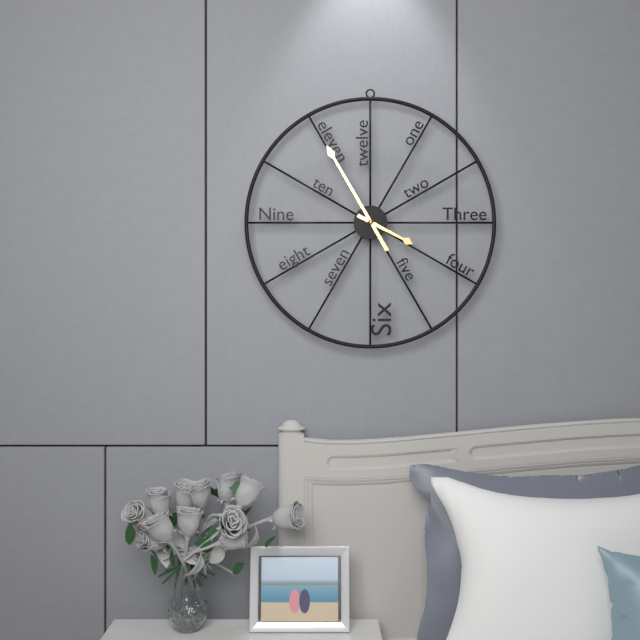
3:55
